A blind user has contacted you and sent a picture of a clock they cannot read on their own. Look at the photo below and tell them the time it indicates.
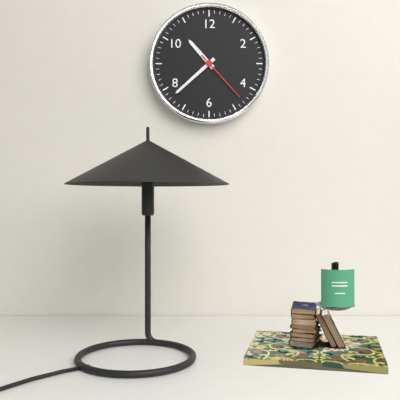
10:38:23
